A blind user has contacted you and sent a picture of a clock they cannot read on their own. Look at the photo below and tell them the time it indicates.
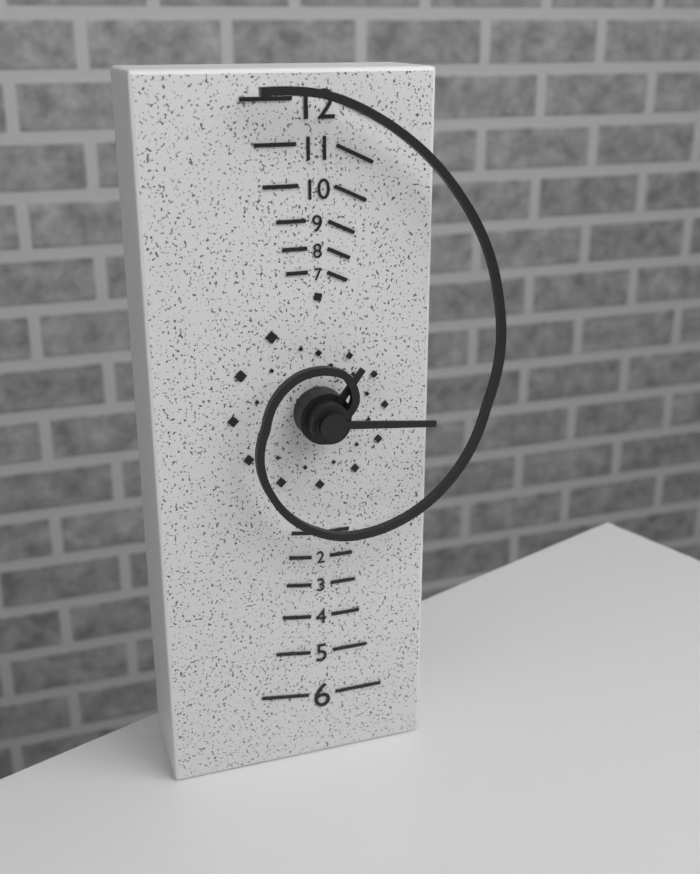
1:16
